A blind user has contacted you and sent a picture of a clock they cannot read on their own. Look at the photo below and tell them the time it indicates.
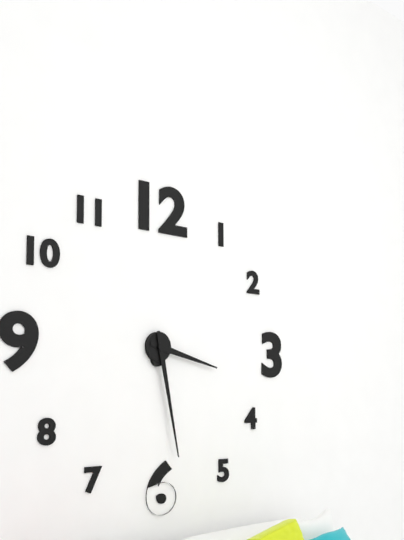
3:28
